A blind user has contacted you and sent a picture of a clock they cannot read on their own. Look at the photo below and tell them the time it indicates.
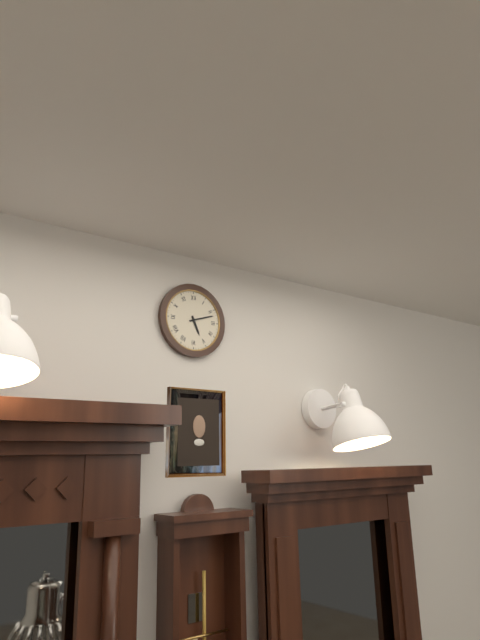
5:12
